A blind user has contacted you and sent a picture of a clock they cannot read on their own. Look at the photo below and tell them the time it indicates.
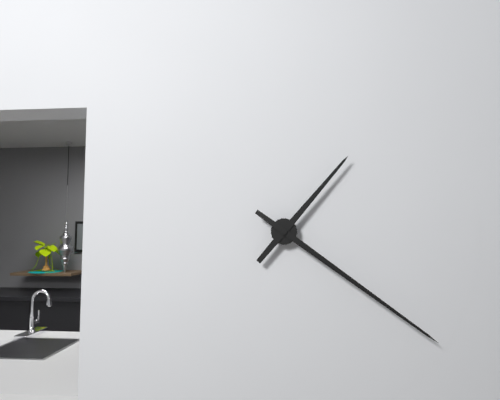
1:21
